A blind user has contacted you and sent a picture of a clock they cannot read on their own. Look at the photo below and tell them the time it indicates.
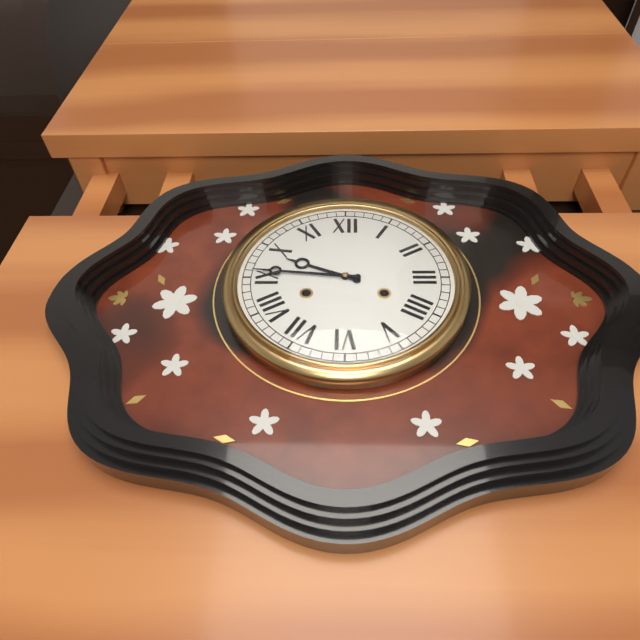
9:46
